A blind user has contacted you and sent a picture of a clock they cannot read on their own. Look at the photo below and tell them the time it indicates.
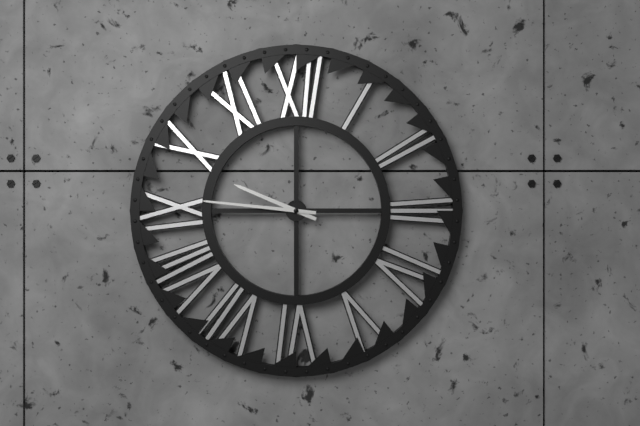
9:46
